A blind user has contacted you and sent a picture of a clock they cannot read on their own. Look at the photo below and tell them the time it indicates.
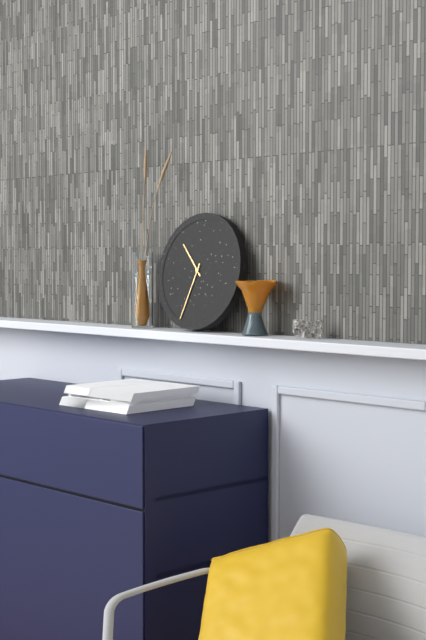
10:33
